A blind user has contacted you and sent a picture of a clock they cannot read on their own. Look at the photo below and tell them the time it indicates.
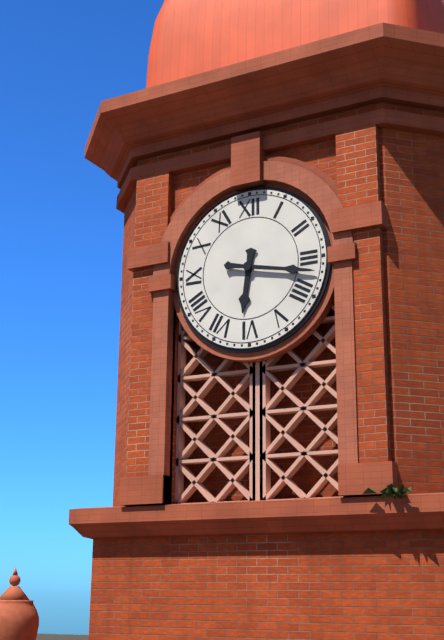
6:17
